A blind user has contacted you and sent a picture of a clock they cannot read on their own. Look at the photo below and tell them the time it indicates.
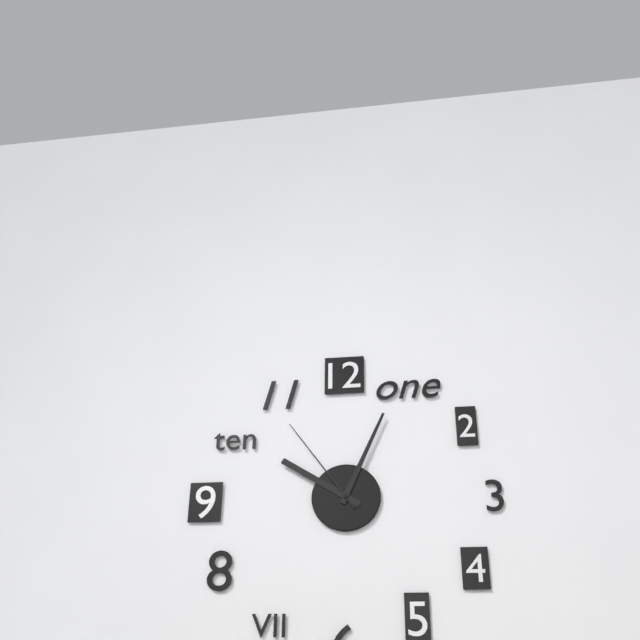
10:04:54
